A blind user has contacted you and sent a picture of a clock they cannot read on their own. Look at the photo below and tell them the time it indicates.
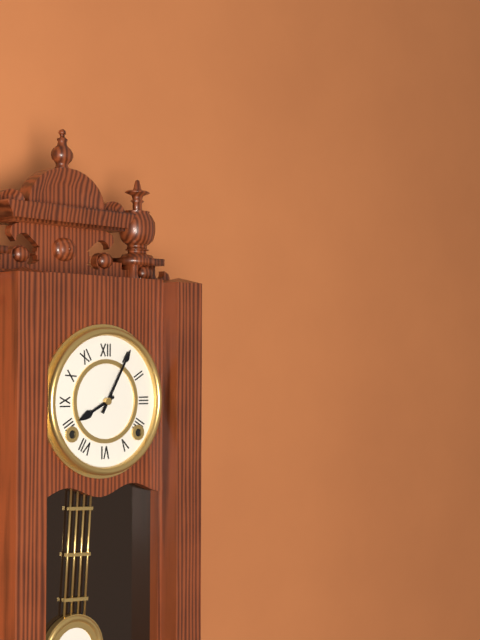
8:05
